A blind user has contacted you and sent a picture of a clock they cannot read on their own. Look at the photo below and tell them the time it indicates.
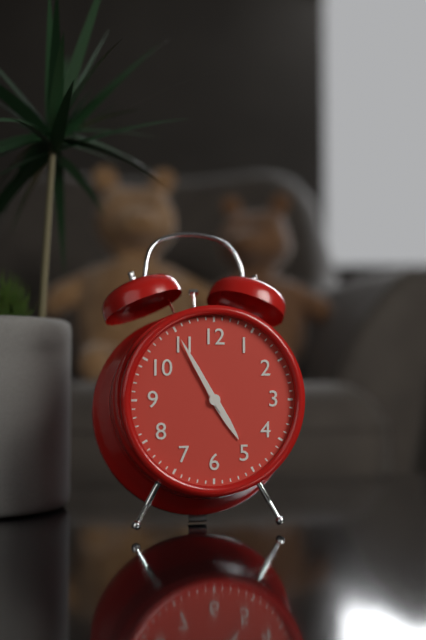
4:55
